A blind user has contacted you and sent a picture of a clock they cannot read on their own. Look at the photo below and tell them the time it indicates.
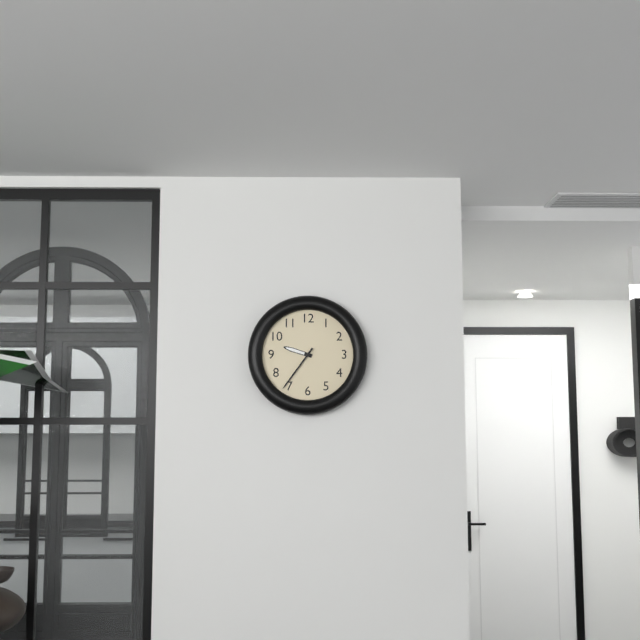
9:36
